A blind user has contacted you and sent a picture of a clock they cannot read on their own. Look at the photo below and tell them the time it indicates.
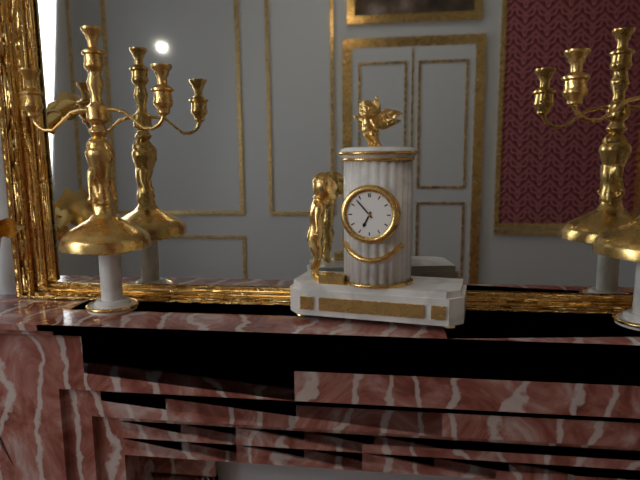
6:53
